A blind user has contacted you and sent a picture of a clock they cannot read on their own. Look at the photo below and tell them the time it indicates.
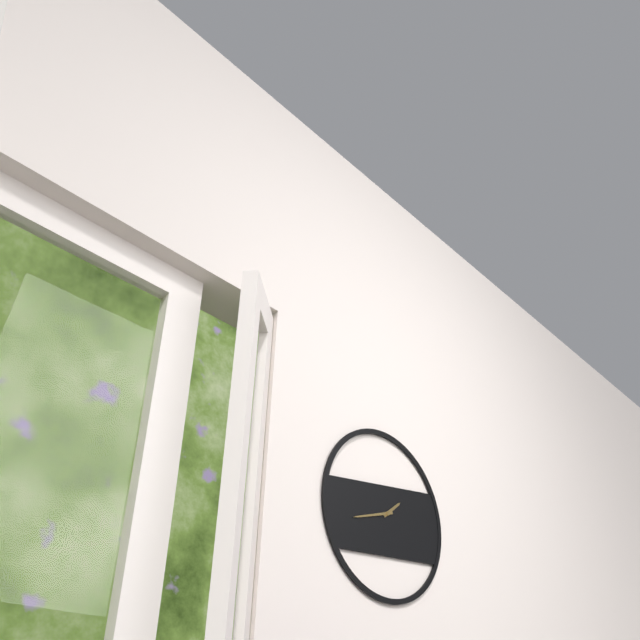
1:42
